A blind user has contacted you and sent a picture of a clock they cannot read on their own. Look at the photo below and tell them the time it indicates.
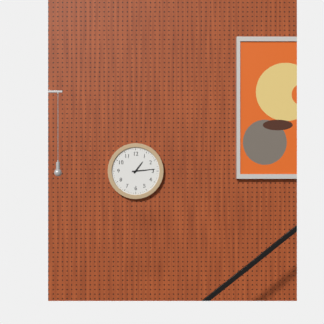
1:14
